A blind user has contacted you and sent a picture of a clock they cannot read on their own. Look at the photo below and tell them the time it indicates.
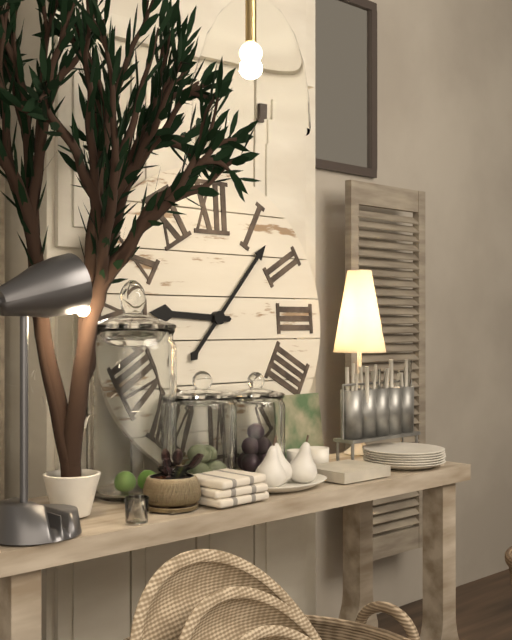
9:07
